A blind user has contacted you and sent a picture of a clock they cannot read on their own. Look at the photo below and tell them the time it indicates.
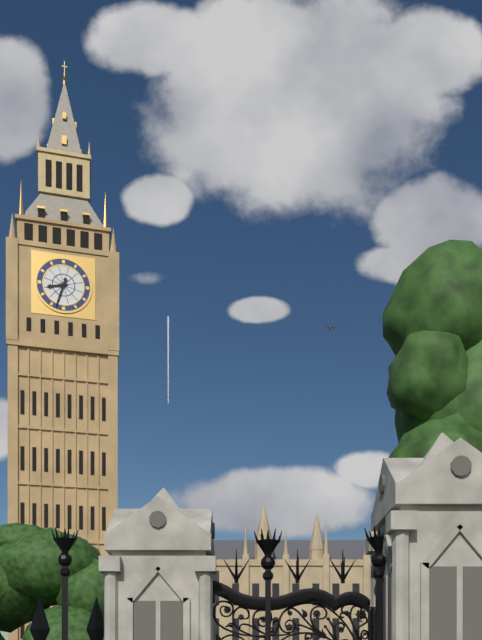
8:33
